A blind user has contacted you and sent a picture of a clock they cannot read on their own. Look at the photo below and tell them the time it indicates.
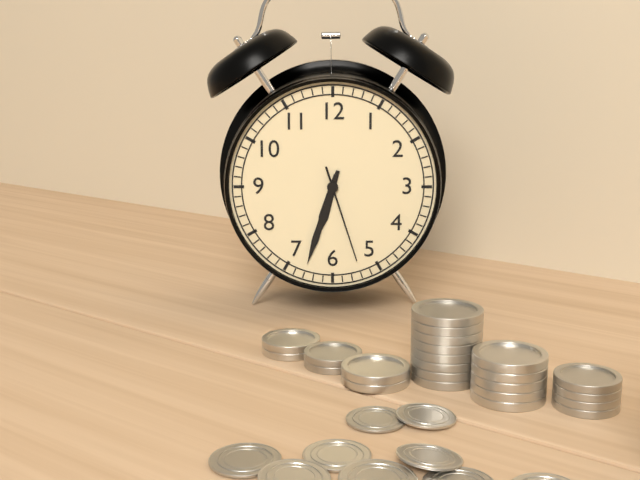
6:33:27
